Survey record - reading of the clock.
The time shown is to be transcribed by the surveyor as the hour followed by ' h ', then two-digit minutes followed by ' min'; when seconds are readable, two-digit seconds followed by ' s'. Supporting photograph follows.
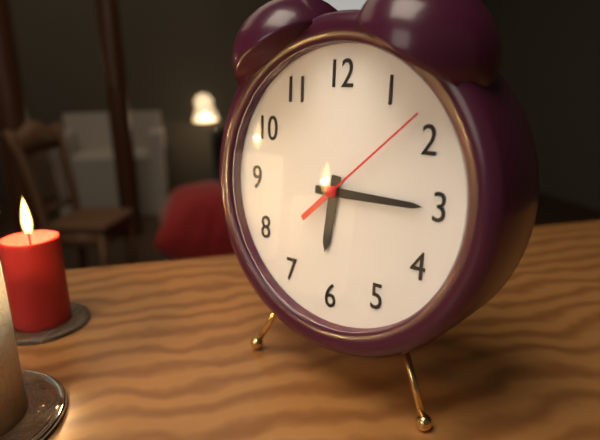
6 h 15 min 08 s
